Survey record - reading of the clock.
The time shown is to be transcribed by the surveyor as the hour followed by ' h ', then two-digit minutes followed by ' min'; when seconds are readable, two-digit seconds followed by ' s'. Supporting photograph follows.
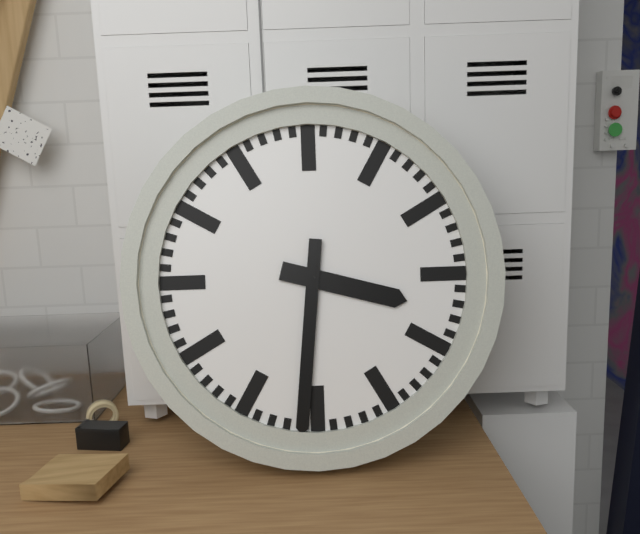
3 h 31 min
